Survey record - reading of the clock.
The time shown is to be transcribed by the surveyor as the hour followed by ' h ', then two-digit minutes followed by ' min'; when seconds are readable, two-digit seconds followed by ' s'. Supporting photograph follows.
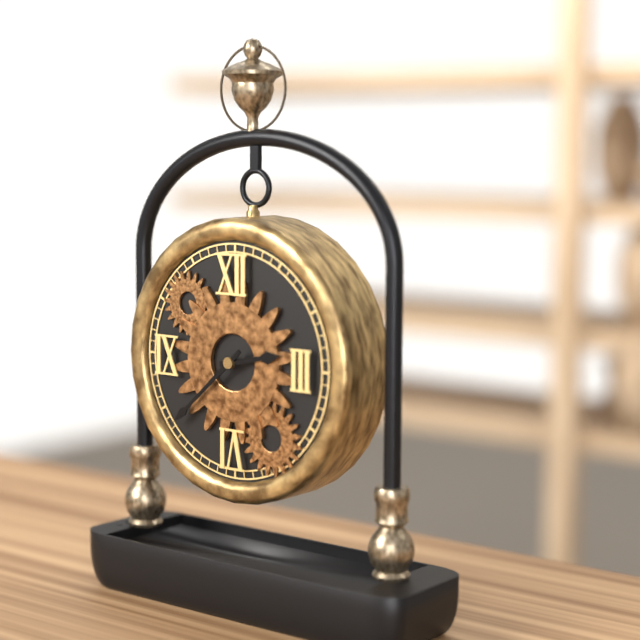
2 h 38 min
